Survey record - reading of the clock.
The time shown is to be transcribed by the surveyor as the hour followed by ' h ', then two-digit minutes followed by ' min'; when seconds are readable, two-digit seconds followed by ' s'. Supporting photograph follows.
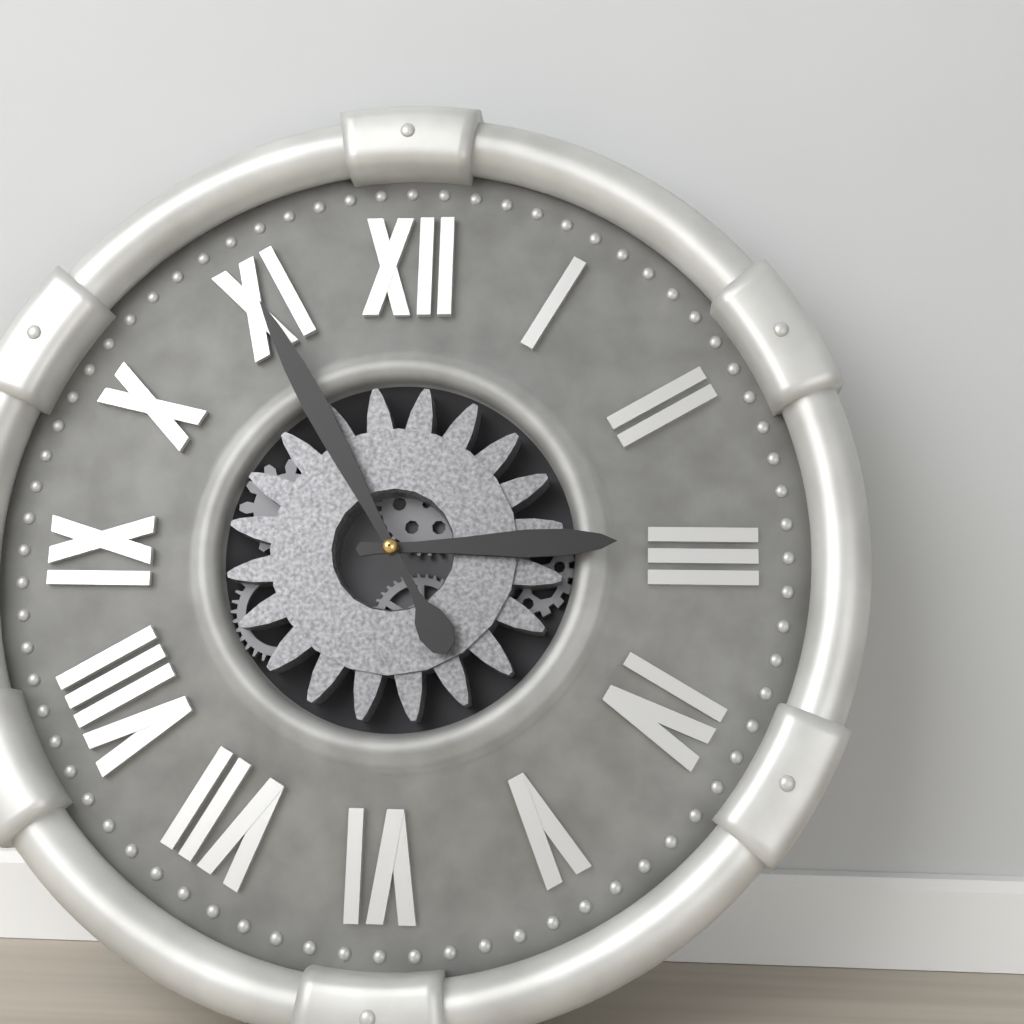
2 h 55 min
